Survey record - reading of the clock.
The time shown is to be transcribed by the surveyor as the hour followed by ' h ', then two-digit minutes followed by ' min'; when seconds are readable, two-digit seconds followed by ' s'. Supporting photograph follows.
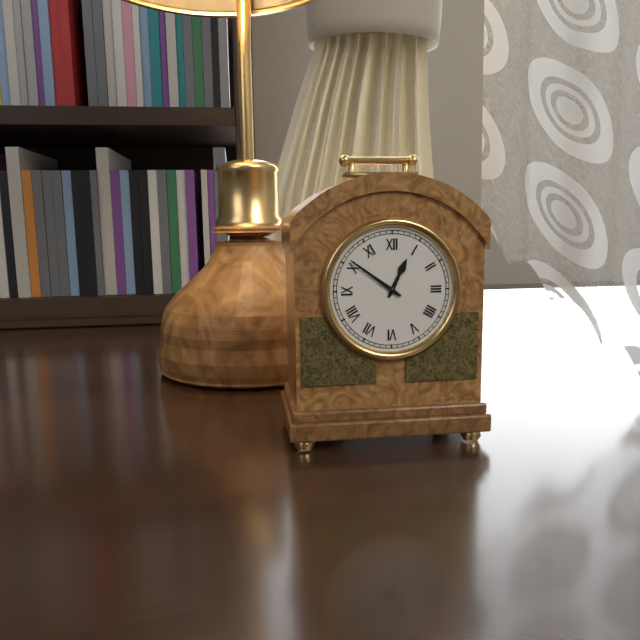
12 h 51 min
